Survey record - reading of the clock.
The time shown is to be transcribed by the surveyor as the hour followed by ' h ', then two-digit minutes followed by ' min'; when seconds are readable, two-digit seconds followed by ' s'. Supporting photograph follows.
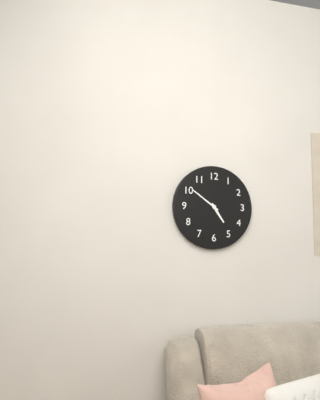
4 h 51 min
